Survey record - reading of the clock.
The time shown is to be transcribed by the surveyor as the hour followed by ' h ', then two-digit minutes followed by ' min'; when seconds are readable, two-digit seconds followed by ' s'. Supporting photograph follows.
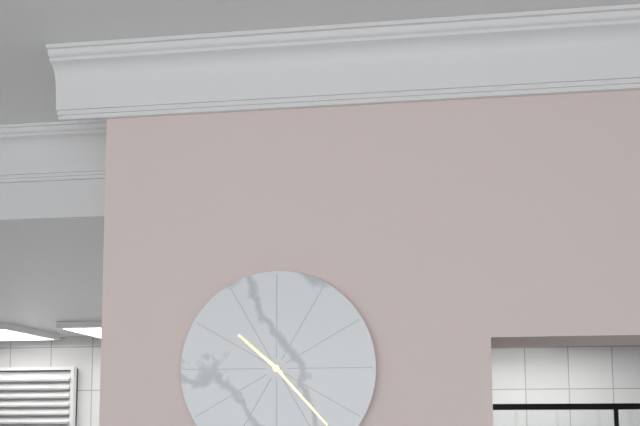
10 h 23 min
